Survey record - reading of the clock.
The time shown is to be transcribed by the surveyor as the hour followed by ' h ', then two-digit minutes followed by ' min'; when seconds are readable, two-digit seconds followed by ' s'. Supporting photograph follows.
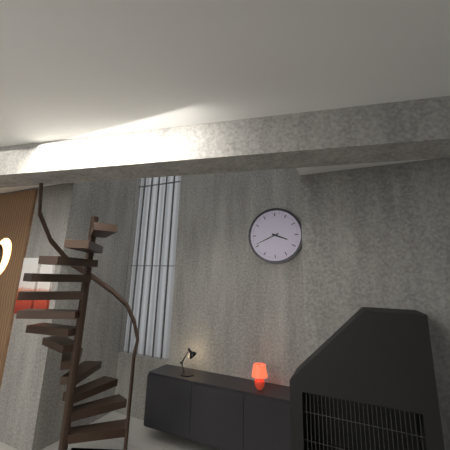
3 h 41 min
